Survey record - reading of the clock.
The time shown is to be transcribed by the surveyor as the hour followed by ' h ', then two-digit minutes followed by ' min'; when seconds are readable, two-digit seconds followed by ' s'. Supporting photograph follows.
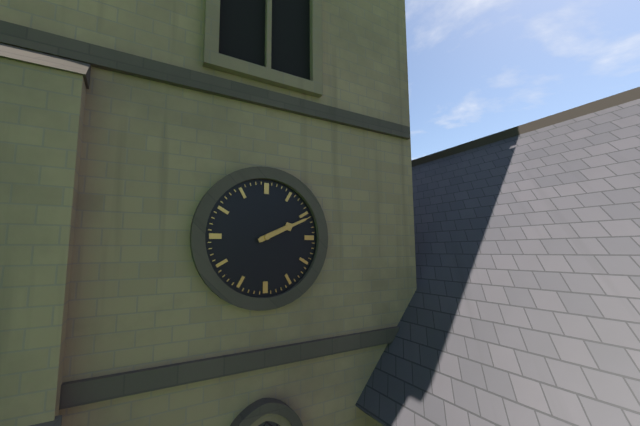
2 h 11 min
